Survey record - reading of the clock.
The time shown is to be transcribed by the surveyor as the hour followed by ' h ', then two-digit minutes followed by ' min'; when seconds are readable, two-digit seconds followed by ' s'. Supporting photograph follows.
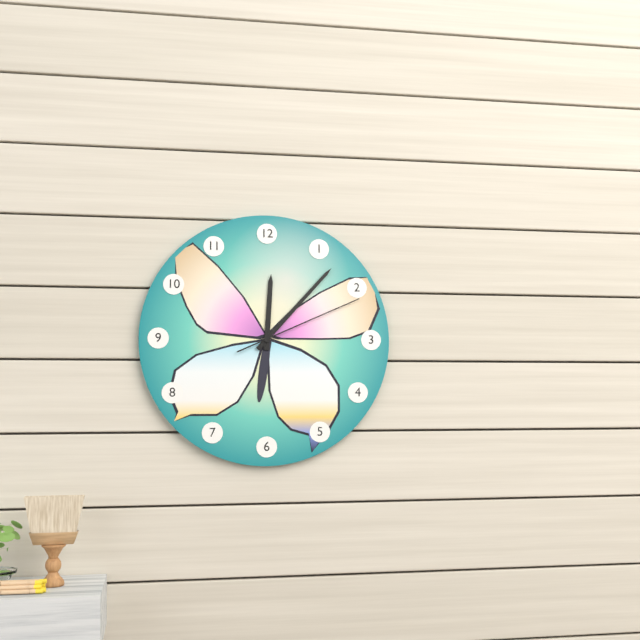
12 h 07 min 11 s
